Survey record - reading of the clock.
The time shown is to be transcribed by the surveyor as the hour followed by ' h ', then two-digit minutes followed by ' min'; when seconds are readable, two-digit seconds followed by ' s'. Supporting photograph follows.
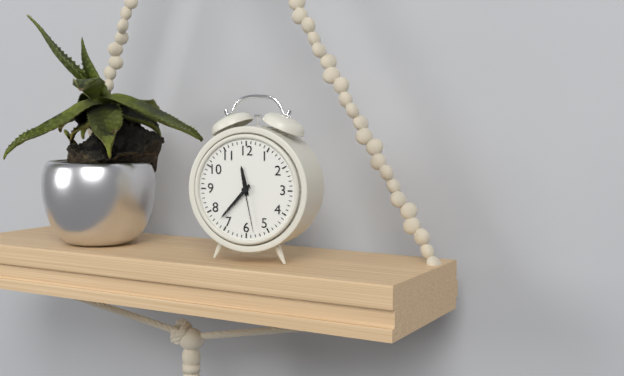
11 h 37 min 28 s
